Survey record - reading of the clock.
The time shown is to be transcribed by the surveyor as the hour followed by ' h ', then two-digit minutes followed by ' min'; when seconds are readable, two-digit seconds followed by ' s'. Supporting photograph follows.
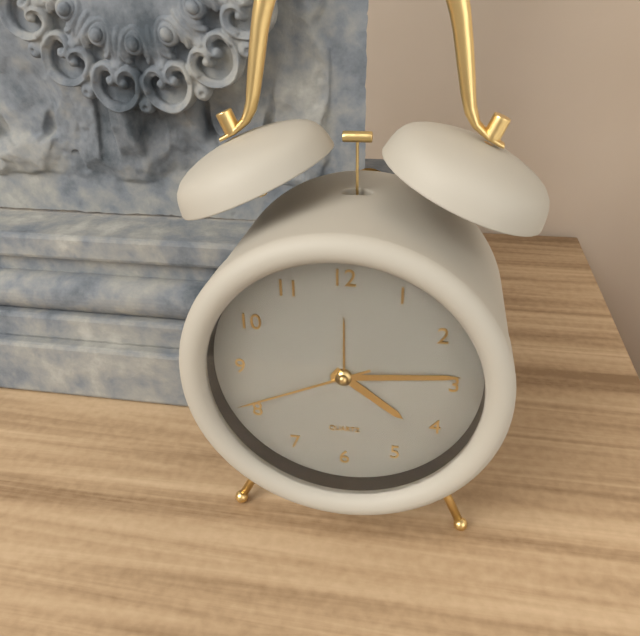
4 h 14 min 41 s
